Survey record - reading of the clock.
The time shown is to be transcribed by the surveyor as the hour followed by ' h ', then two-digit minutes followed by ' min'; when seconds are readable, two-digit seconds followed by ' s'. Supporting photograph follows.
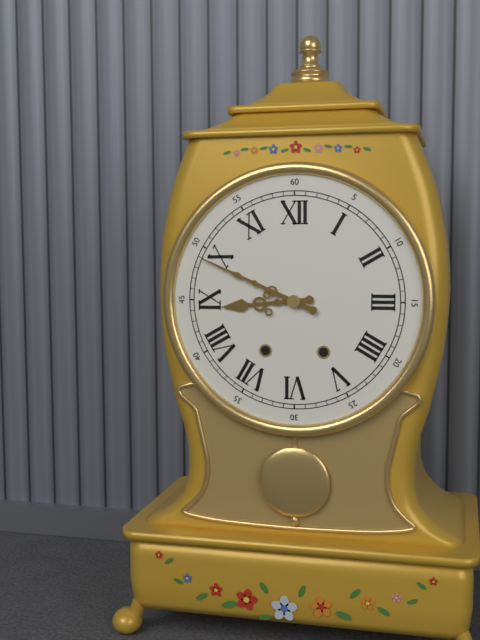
8 h 49 min
